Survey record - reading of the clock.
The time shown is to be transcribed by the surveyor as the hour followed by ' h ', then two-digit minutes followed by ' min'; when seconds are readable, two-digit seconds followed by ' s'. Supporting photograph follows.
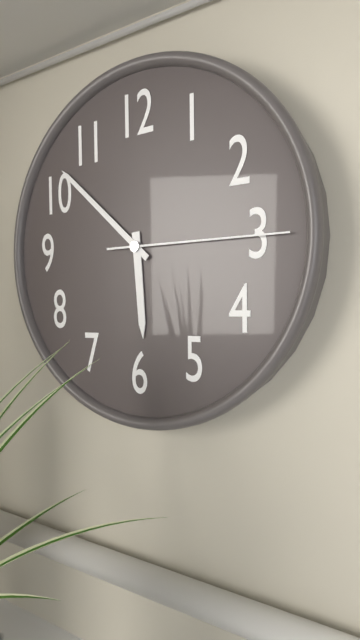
5 h 52 min 15 s
